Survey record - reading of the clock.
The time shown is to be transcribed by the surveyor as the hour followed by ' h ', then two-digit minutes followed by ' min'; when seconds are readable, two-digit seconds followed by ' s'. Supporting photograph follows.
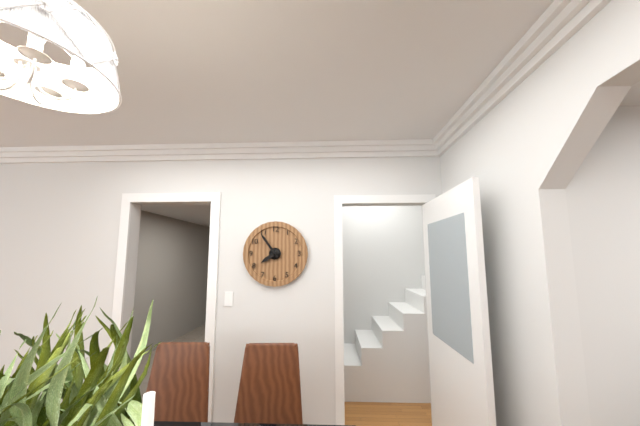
7 h 54 min
